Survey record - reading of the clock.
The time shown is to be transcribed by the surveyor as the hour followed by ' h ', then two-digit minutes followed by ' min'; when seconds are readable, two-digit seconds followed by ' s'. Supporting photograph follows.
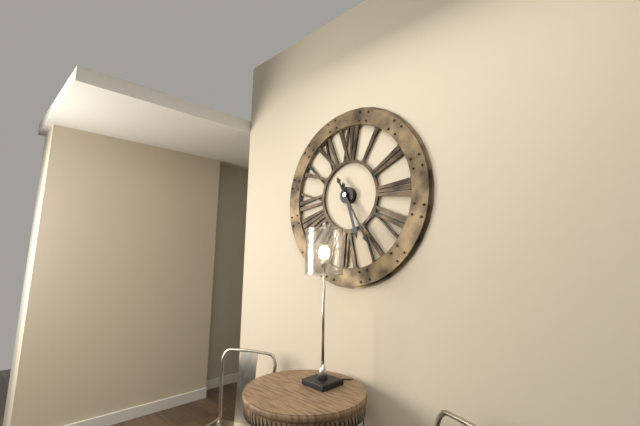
5 h 25 min
